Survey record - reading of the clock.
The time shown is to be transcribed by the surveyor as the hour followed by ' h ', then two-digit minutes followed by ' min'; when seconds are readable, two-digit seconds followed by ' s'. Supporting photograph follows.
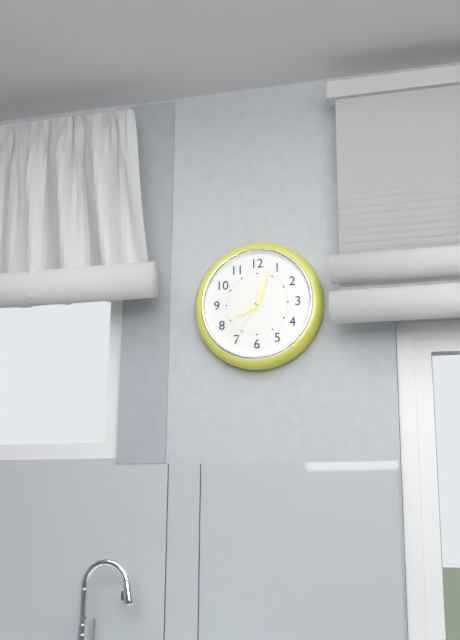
8 h 03 min 35 s
